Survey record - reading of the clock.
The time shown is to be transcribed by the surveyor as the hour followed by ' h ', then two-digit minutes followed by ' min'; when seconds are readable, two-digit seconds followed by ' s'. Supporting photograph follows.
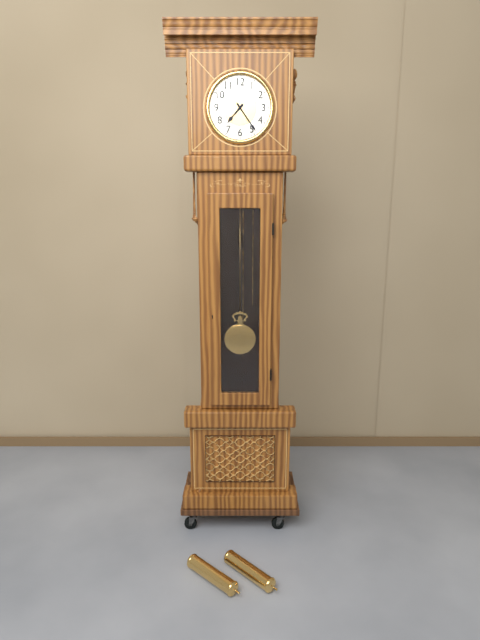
7 h 24 min
